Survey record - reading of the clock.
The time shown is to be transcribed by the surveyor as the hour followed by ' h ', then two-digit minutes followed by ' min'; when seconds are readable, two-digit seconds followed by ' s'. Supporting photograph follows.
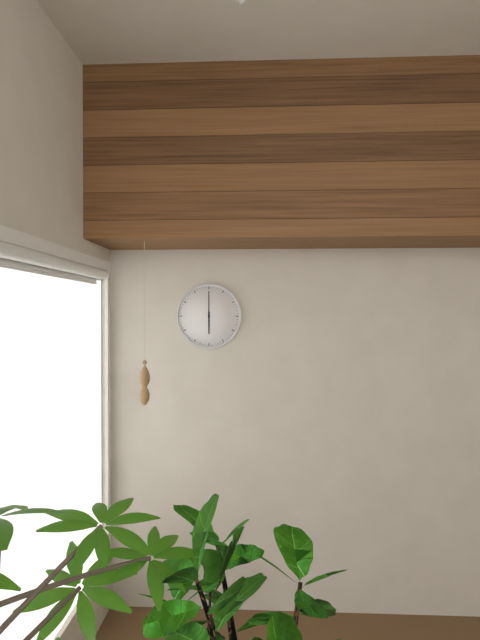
6 h 00 min
